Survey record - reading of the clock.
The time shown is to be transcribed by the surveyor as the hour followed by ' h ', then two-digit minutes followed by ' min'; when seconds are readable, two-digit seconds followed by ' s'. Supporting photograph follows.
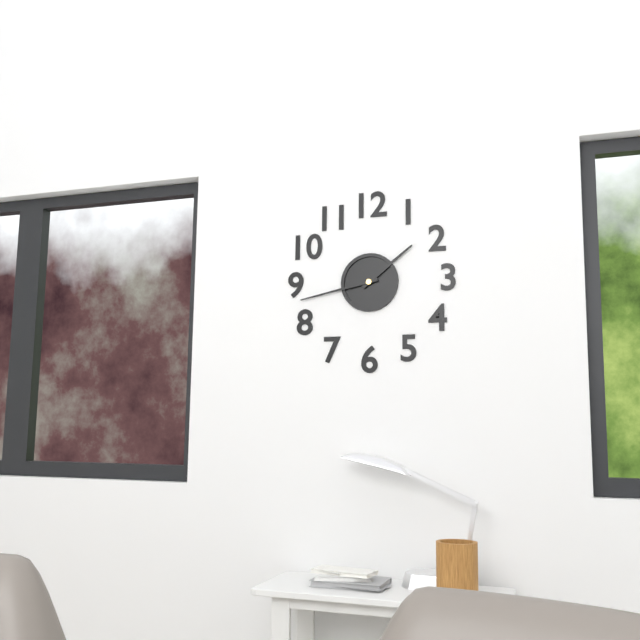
1 h 43 min
